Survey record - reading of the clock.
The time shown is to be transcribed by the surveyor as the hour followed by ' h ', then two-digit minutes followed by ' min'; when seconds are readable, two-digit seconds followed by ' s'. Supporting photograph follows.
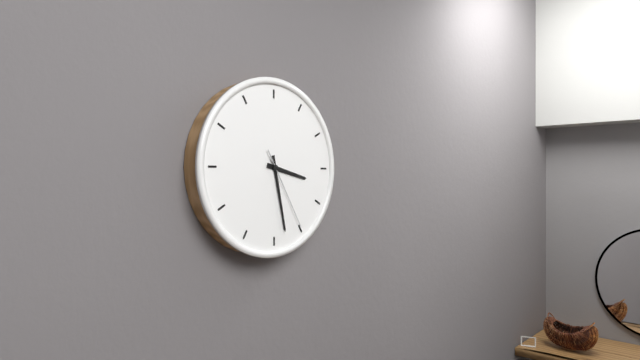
3 h 28 min 25 s
